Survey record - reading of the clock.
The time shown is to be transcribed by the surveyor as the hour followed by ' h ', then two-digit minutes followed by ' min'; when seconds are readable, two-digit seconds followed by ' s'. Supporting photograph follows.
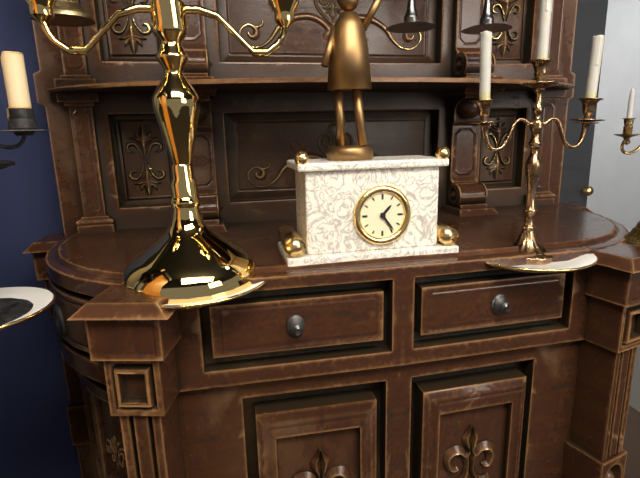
1 h 24 min
